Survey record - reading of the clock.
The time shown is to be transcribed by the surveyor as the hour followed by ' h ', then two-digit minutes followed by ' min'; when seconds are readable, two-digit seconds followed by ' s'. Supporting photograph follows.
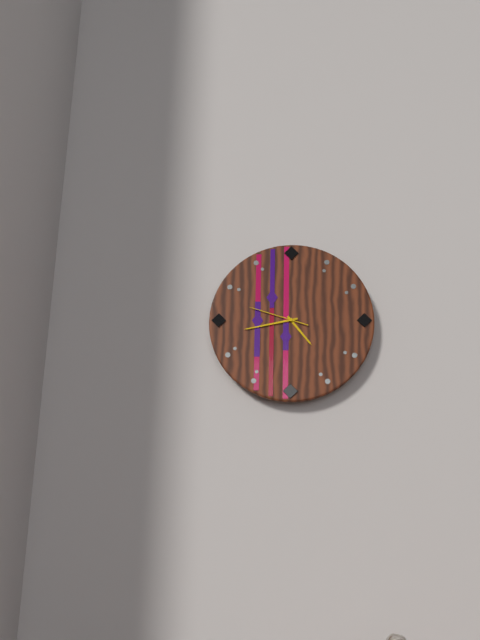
4 h 43 min 48 s
